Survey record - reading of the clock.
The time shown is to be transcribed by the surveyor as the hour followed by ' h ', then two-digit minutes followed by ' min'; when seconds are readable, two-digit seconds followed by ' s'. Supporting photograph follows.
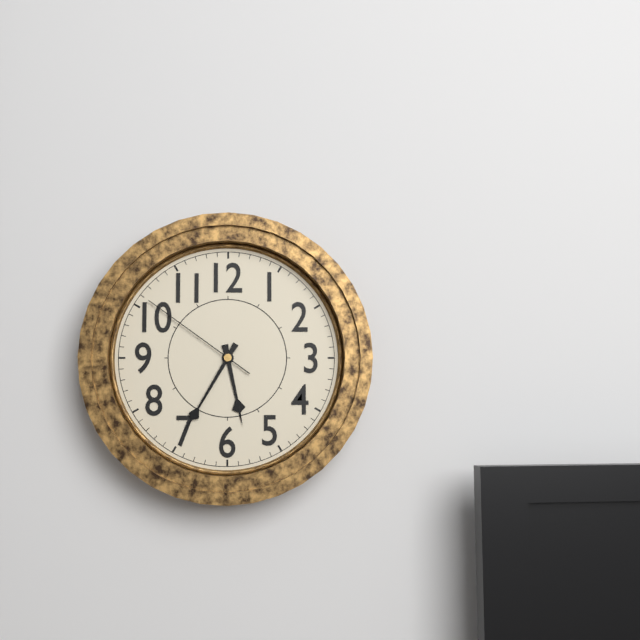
5 h 35 min 51 s
